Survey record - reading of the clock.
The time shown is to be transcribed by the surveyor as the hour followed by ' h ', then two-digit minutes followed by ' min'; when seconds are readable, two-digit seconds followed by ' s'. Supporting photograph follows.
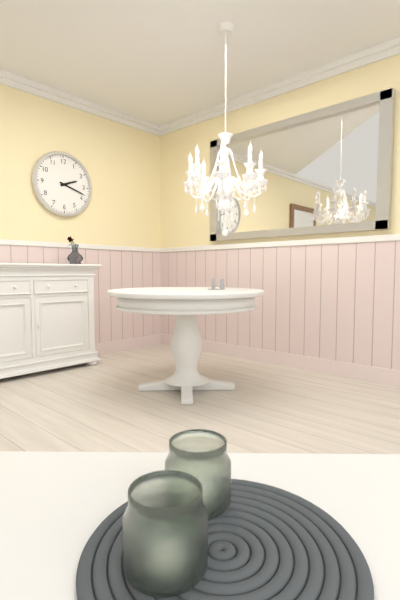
2 h 18 min
